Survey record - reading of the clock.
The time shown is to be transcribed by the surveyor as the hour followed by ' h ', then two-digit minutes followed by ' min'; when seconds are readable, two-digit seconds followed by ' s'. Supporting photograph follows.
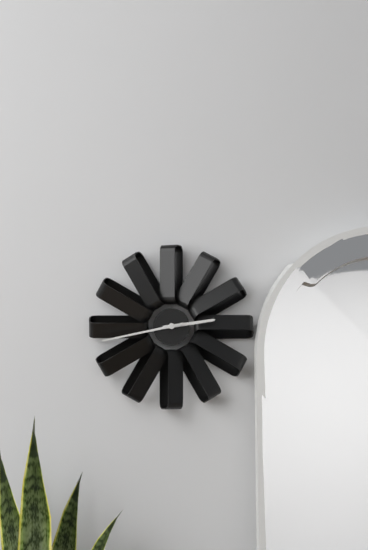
2 h 43 min
